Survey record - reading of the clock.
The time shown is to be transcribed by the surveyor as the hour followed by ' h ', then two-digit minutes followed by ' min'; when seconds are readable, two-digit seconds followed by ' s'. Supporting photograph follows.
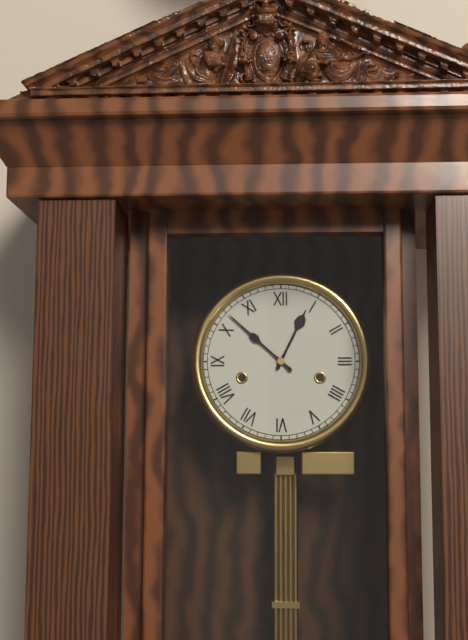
12 h 52 min
